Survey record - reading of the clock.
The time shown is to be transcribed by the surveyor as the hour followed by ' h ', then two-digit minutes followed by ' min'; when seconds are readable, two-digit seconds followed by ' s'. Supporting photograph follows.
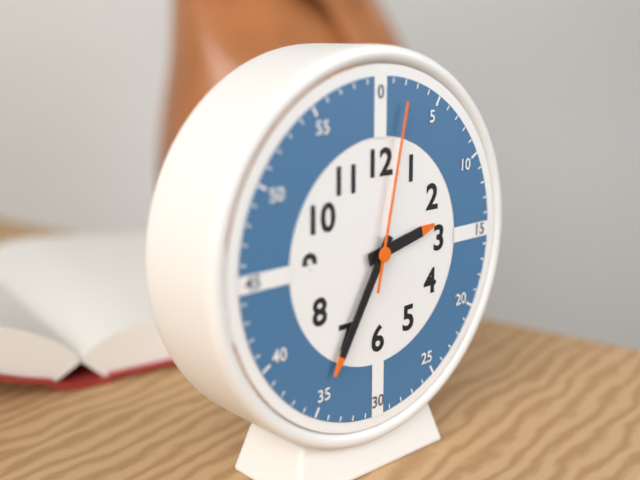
2 h 35 min 02 s
